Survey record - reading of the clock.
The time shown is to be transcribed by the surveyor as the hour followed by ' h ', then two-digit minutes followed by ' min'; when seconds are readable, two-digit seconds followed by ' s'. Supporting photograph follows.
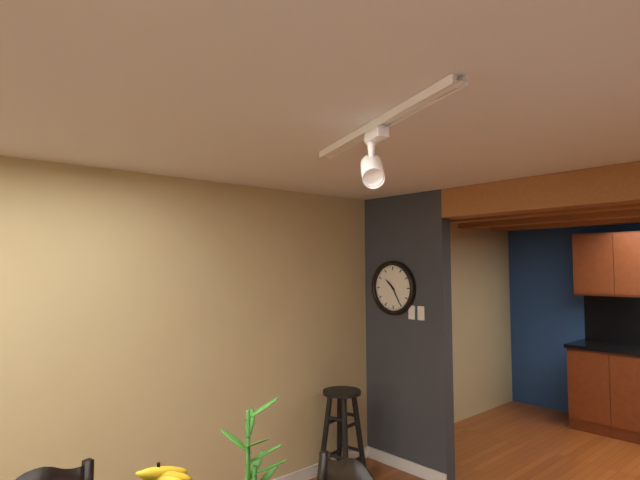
10 h 25 min
